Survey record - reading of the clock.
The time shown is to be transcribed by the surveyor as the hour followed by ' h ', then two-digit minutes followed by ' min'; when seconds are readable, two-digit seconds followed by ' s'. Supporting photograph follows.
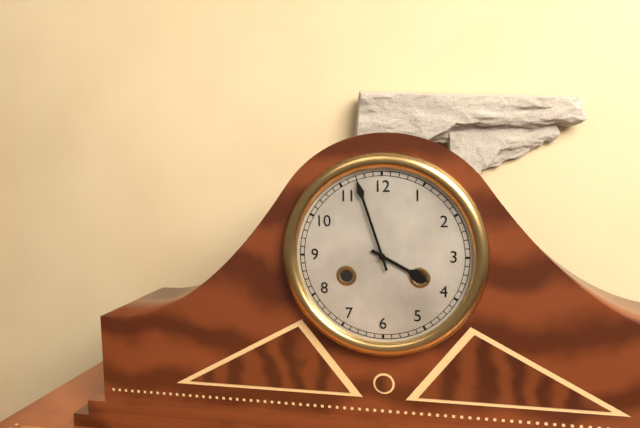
3 h 57 min
